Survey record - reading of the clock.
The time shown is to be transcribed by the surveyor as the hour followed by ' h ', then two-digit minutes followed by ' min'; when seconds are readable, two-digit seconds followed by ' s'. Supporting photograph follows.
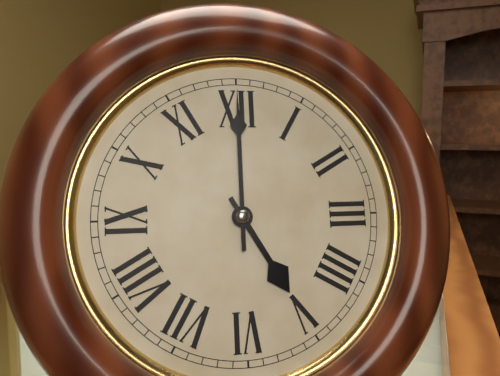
5 h 00 min
